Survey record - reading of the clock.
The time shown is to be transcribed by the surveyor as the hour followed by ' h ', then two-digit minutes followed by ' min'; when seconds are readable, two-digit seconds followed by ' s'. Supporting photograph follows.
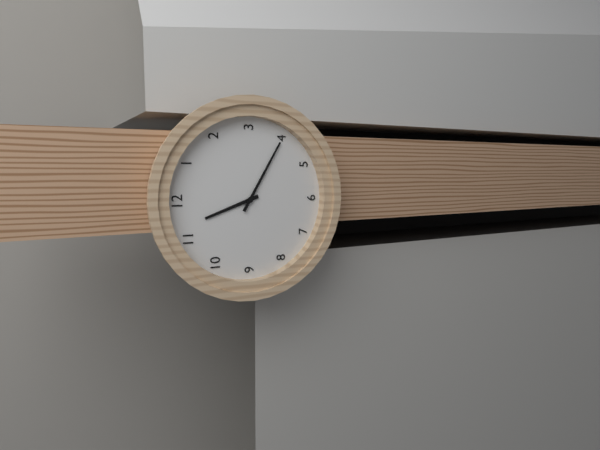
11 h 20 min
